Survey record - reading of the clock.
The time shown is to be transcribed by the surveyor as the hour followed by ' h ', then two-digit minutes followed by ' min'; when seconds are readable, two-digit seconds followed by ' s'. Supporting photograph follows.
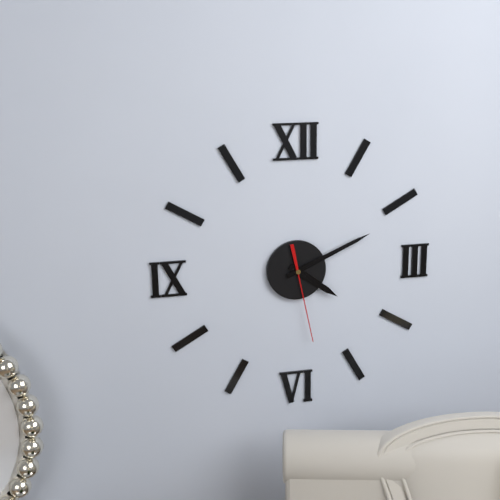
4 h 11 min 28 s
